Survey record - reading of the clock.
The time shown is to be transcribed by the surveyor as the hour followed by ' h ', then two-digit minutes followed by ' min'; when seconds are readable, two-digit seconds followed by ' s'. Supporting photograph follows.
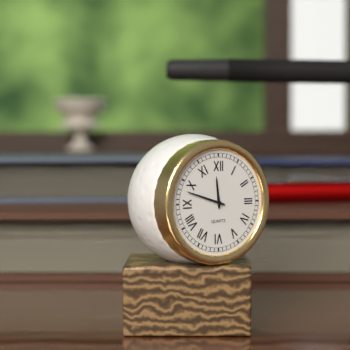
11 h 48 min
